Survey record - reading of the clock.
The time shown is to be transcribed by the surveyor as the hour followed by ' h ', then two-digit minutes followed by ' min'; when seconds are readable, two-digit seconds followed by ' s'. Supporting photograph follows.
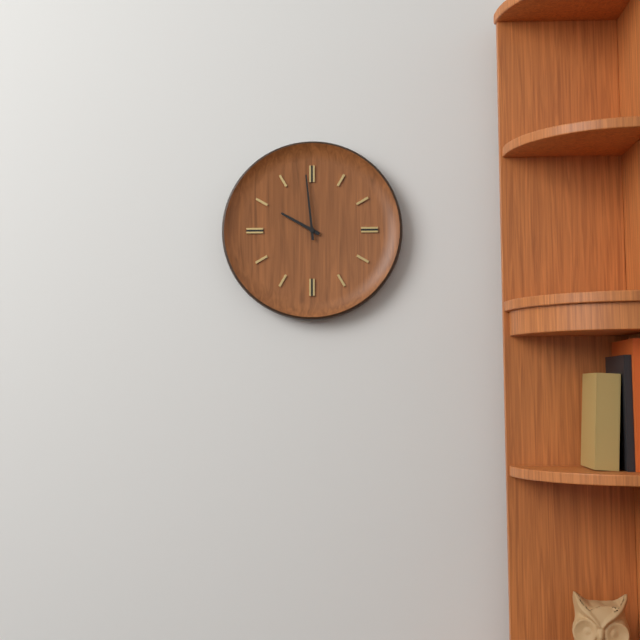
9 h 59 min
